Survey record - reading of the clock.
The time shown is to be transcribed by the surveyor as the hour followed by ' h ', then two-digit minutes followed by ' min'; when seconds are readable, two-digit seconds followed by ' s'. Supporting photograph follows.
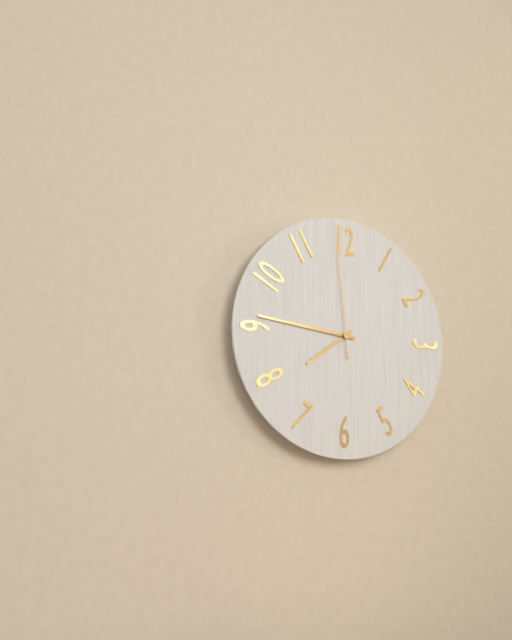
7 h 46 min 59 s
